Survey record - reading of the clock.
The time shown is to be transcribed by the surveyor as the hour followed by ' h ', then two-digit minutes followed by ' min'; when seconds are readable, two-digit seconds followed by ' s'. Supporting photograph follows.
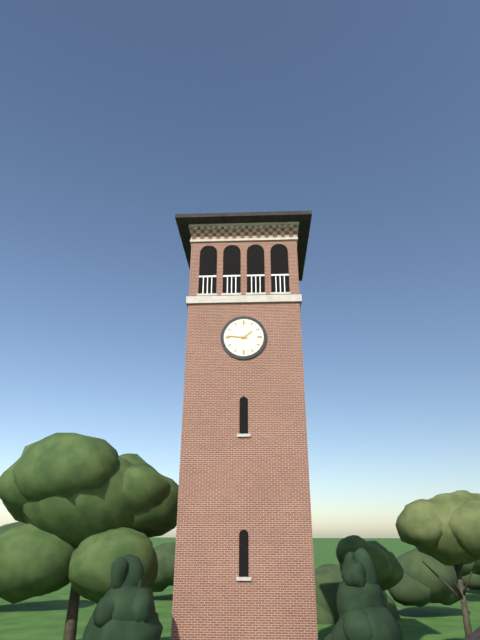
1 h 46 min
